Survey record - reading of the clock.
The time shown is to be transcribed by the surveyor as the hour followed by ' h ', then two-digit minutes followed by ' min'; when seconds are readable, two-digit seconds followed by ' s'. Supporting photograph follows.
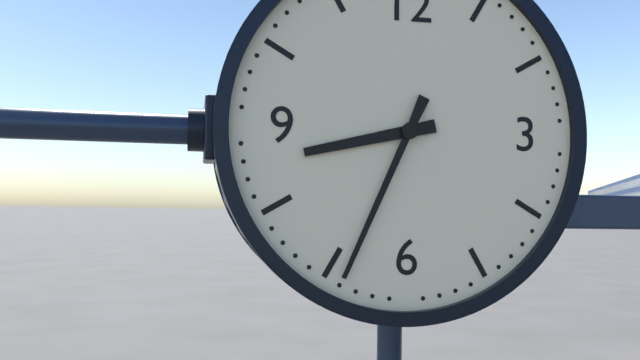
8 h 34 min
